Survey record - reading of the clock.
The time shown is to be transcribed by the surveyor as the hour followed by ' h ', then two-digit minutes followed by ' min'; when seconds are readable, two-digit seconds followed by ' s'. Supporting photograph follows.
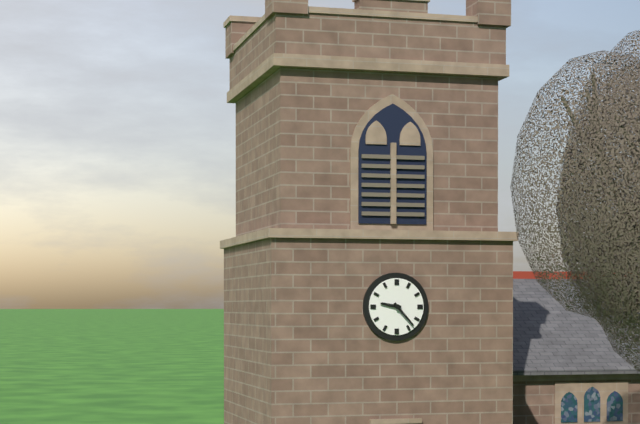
9 h 23 min
